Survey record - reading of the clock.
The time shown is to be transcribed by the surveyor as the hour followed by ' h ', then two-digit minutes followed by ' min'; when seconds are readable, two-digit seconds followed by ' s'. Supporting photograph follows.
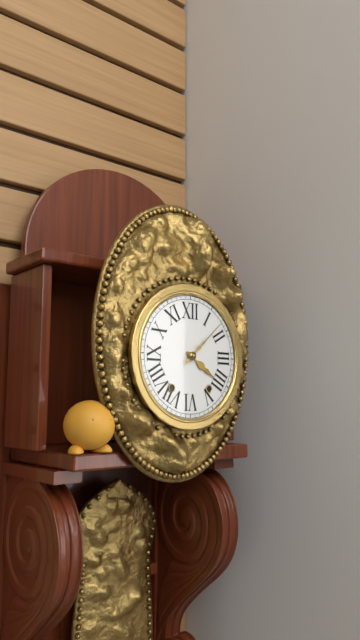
4 h 08 min
